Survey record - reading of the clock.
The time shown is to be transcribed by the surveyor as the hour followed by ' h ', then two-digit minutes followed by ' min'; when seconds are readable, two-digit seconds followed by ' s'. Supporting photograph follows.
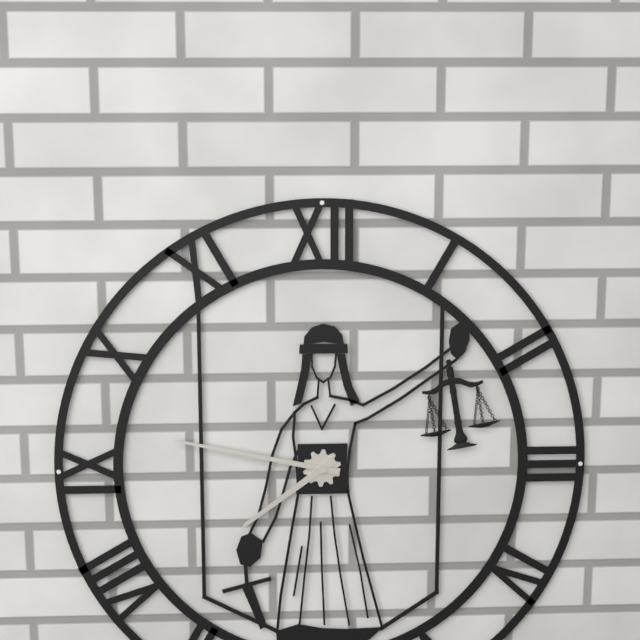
7 h 47 min
